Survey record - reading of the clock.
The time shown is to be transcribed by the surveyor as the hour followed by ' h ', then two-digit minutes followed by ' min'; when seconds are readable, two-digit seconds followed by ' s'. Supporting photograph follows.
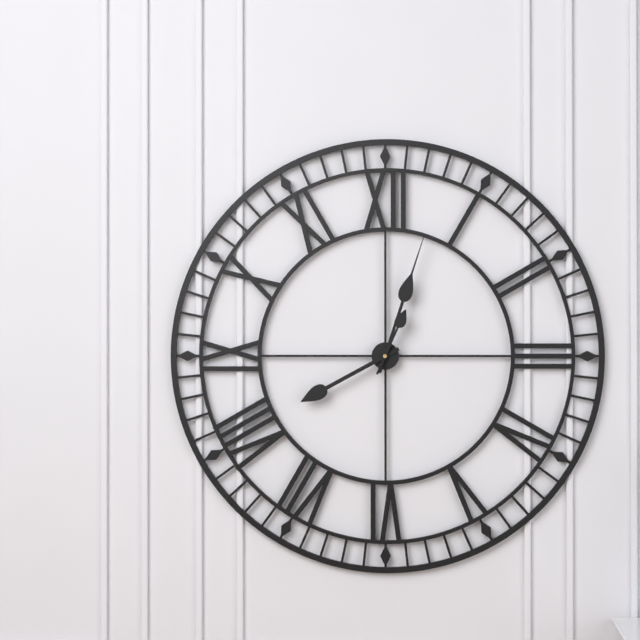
8 h 03 min 04 s
